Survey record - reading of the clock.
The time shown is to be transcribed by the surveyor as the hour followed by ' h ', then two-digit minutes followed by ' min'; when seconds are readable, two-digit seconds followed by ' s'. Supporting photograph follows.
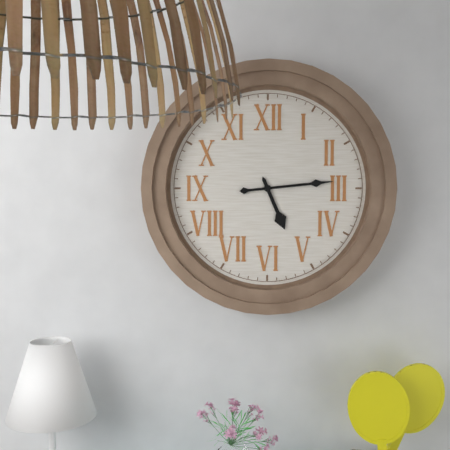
5 h 14 min
